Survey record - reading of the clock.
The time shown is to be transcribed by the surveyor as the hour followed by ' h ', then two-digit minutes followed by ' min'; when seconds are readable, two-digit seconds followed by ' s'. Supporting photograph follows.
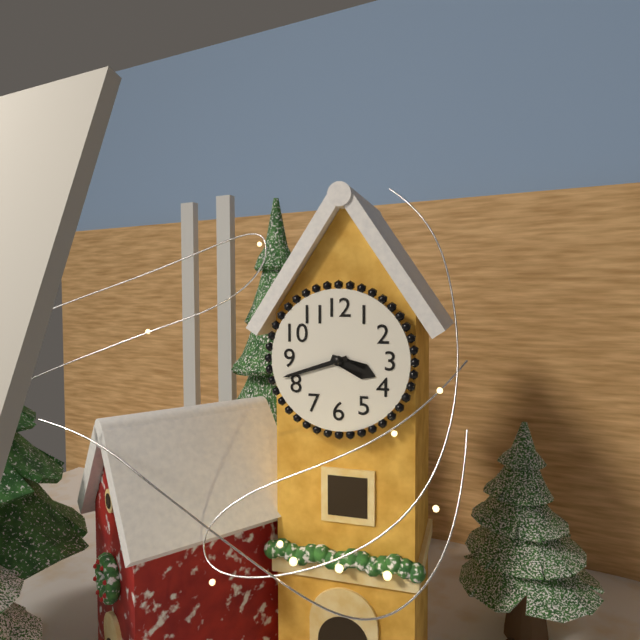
3 h 42 min
